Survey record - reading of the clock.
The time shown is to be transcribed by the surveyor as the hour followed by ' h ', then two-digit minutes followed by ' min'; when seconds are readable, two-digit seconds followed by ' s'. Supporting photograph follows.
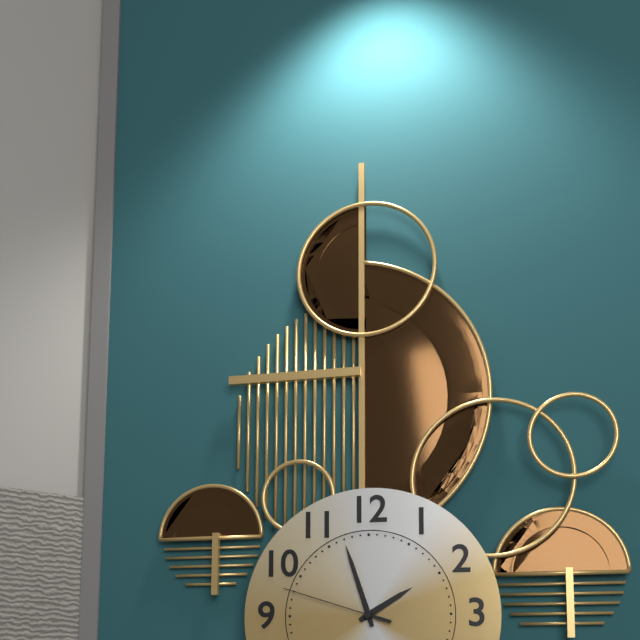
1 h 57 min 48 s
